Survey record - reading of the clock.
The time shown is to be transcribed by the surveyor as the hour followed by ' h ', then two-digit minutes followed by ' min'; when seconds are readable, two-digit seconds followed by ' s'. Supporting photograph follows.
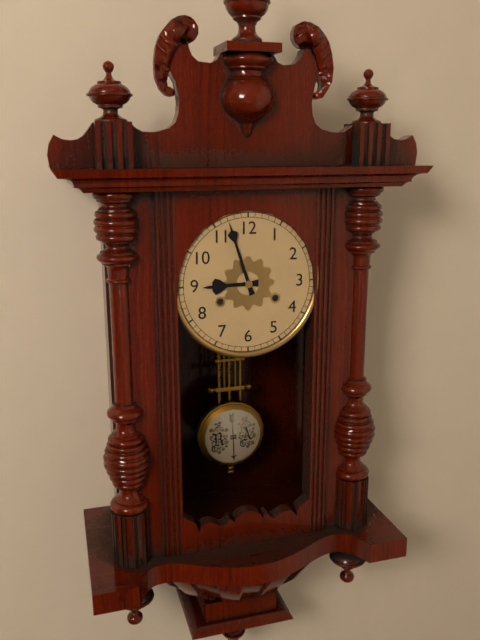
8 h 57 min
